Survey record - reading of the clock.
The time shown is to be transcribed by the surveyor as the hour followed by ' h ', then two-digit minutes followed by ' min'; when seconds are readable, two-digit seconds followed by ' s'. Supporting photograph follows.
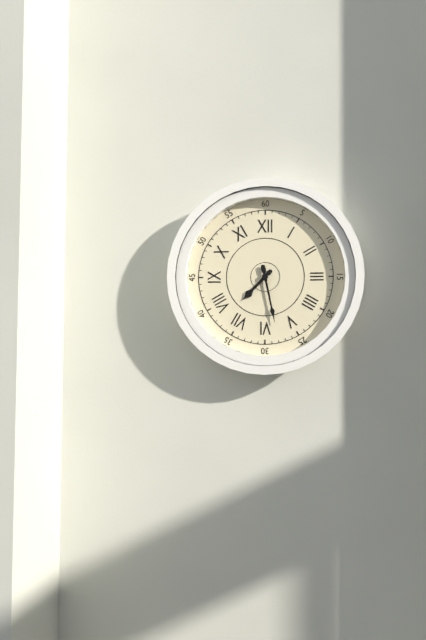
7 h 28 min
